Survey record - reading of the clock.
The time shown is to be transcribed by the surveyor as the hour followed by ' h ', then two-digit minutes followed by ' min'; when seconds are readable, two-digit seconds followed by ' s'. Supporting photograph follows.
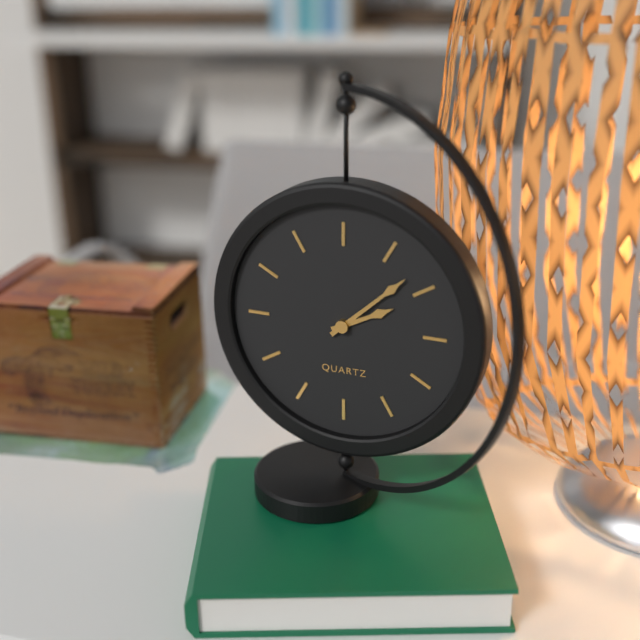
2 h 08 min
